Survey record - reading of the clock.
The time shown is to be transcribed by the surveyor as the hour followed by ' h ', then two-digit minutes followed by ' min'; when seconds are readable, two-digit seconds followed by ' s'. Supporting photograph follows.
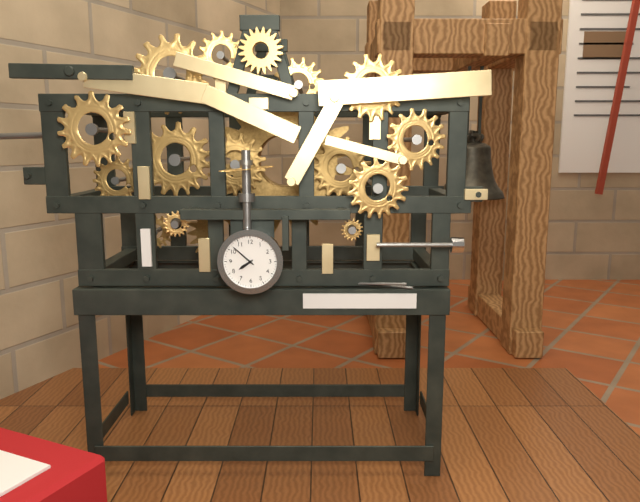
7 h 52 min
